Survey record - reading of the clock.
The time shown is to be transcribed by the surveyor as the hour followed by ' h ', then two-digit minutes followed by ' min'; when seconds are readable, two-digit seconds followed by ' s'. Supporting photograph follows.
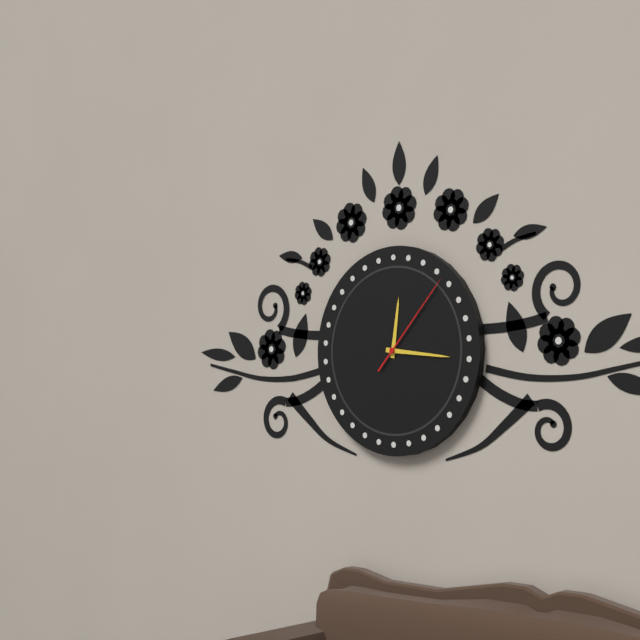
12 h 16 min 07 s
